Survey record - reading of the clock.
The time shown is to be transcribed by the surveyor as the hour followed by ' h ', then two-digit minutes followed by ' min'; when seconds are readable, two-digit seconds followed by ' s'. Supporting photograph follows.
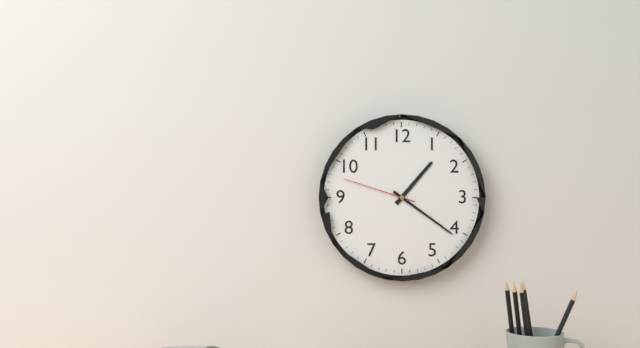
1 h 21 min 48 s
